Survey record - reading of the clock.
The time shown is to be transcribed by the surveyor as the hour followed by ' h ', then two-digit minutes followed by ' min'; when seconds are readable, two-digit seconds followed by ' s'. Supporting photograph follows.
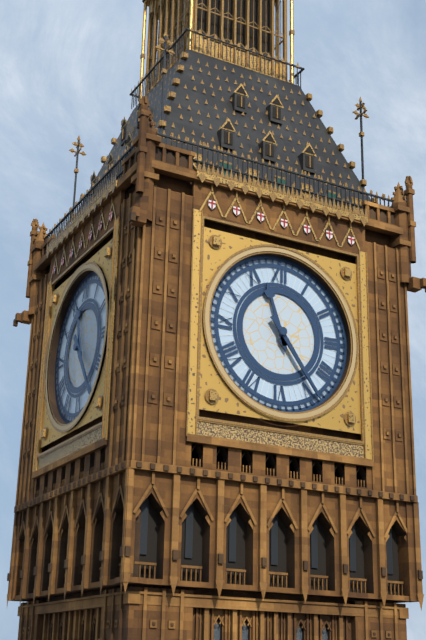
11 h 24 min
